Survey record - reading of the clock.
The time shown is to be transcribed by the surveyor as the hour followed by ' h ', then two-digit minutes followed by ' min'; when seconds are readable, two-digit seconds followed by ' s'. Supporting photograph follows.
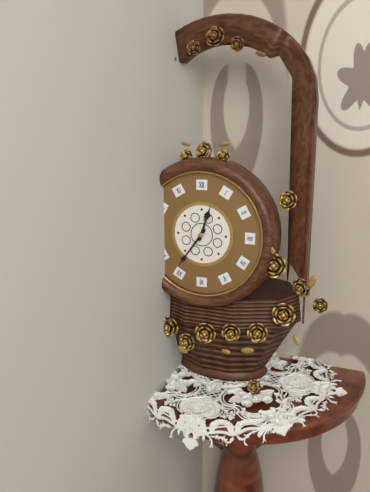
12 h 36 min
